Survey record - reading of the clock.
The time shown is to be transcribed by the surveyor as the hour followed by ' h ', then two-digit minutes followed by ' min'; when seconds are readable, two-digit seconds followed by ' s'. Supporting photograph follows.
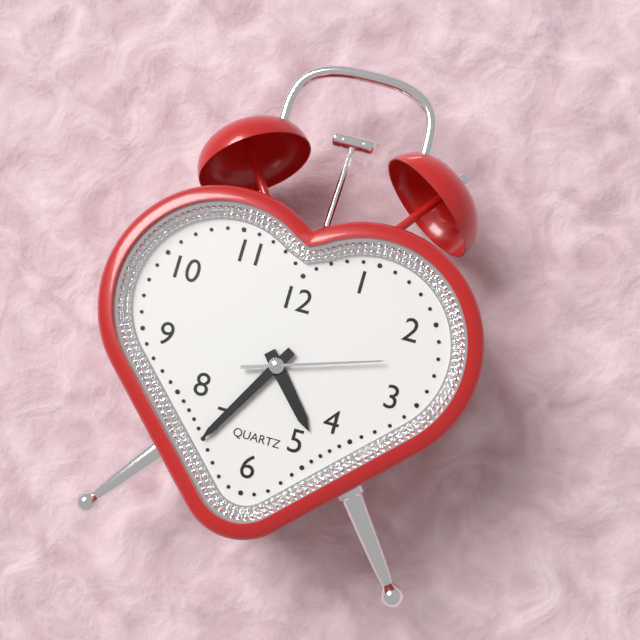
4 h 35 min 12 s
